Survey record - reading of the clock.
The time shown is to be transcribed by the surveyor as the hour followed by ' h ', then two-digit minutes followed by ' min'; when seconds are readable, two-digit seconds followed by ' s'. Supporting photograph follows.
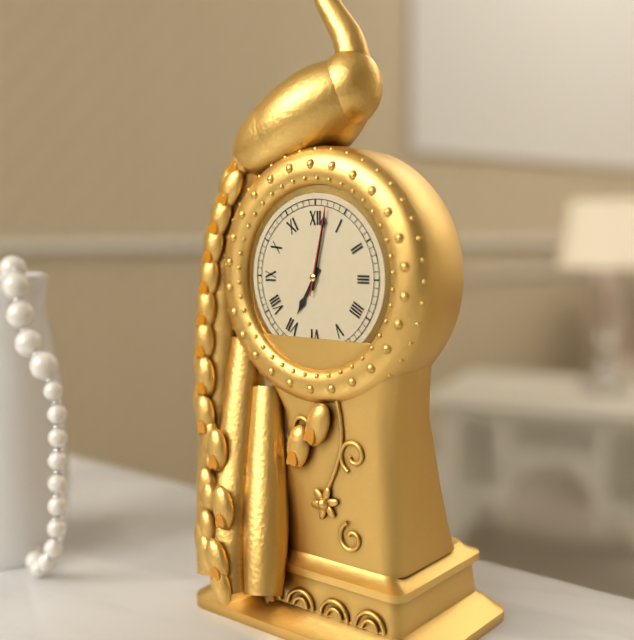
7 h 02 min 02 s
